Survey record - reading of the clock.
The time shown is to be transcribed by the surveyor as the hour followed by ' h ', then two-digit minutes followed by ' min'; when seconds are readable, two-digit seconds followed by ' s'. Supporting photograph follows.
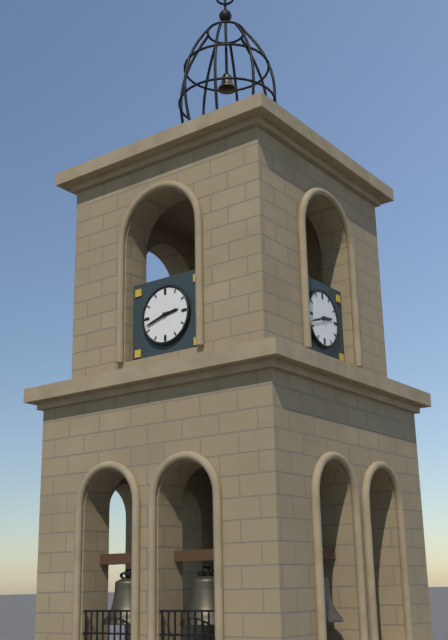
2 h 42 min
